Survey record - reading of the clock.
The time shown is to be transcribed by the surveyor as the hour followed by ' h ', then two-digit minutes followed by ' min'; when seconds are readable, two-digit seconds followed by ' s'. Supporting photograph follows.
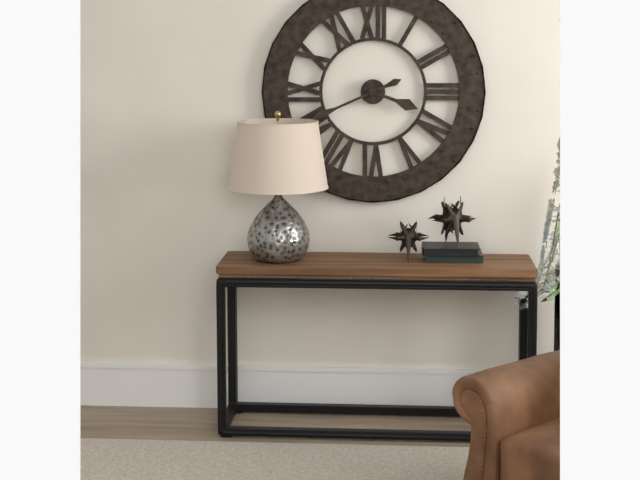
3 h 41 min
